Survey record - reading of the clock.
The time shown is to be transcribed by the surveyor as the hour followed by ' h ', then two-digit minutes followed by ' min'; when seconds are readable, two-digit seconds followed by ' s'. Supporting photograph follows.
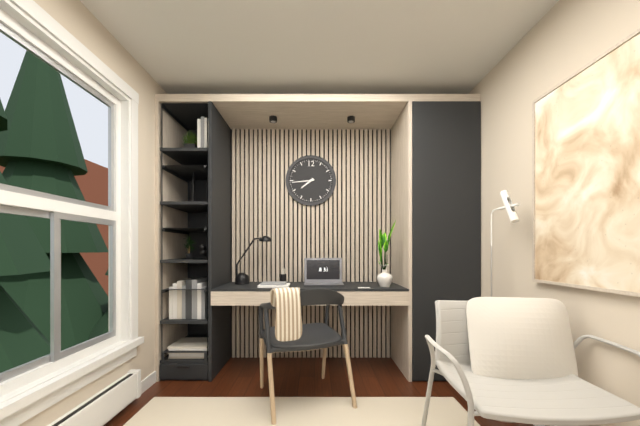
7 h 44 min
